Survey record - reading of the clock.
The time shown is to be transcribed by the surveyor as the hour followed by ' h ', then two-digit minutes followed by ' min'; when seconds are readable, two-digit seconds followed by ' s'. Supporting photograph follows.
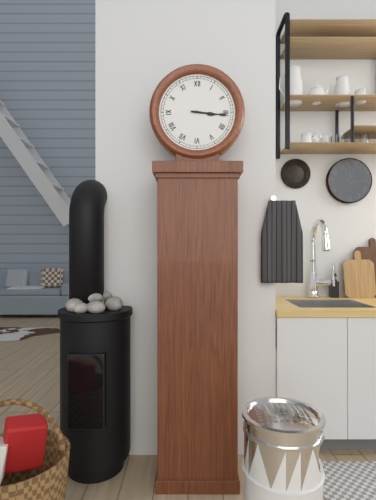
3 h 16 min
